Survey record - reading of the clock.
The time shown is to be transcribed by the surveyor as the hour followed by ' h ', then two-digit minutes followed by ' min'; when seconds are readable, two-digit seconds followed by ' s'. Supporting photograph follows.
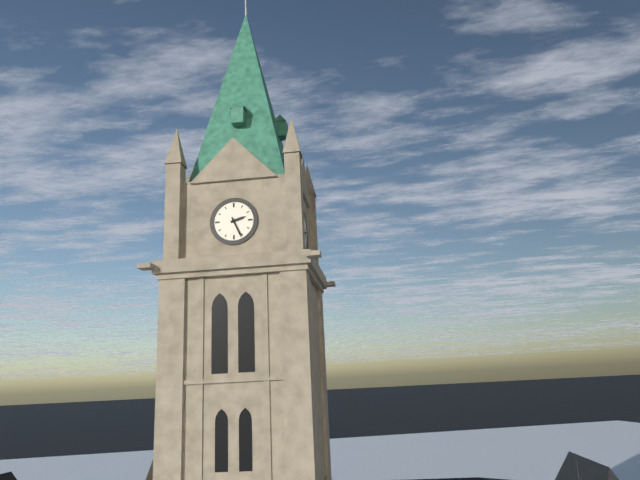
2 h 26 min
